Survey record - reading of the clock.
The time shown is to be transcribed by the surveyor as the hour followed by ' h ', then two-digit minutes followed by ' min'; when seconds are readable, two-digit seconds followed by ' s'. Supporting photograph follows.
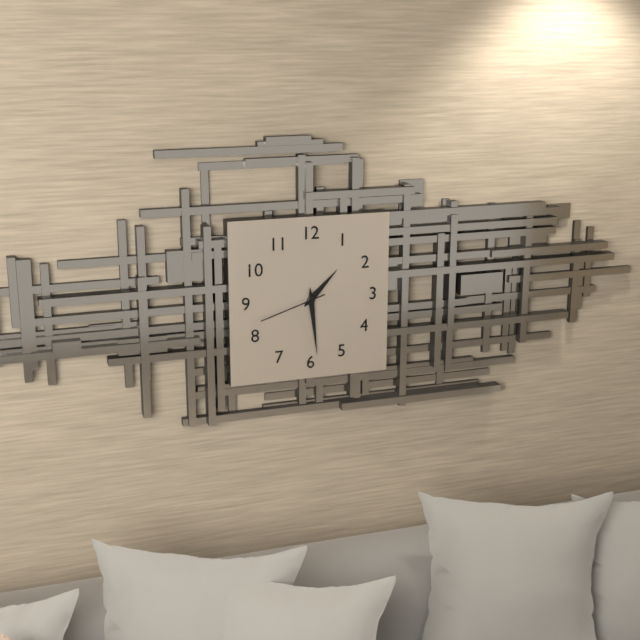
1 h 29 min 42 s
